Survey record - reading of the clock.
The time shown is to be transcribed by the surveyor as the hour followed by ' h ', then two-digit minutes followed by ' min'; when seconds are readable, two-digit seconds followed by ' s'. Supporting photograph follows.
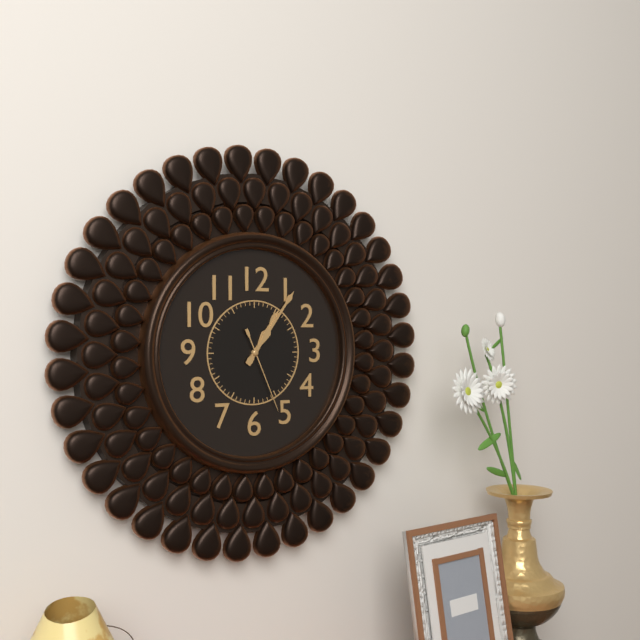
1 h 06 min 26 s
